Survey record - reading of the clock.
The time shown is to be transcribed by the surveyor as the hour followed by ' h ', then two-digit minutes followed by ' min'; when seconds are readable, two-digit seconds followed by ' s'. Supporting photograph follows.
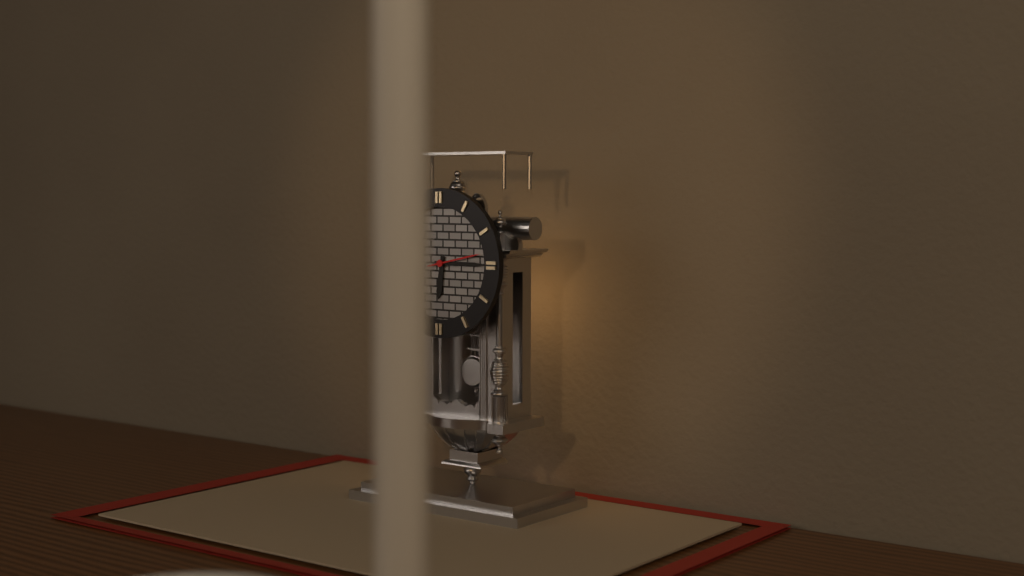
6 h 15 min 13 s
